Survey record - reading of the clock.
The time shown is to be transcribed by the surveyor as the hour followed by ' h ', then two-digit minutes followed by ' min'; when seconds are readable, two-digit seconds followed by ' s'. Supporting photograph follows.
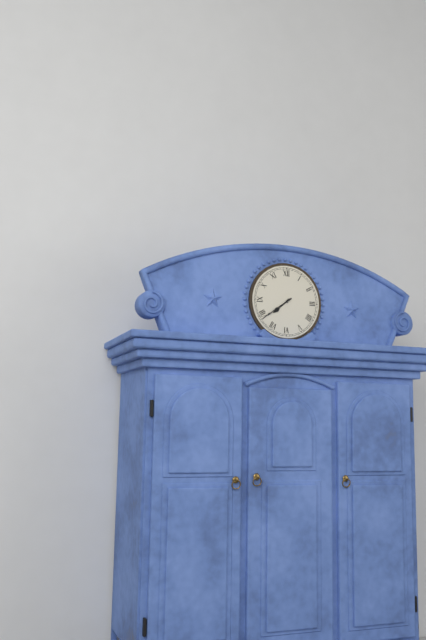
7 h 39 min
